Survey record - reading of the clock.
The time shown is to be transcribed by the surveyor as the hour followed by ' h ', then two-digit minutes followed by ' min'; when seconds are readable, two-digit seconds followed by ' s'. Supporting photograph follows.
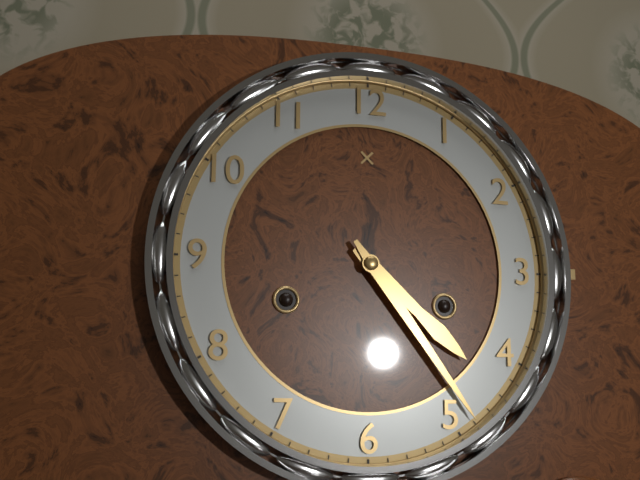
4 h 24 min
